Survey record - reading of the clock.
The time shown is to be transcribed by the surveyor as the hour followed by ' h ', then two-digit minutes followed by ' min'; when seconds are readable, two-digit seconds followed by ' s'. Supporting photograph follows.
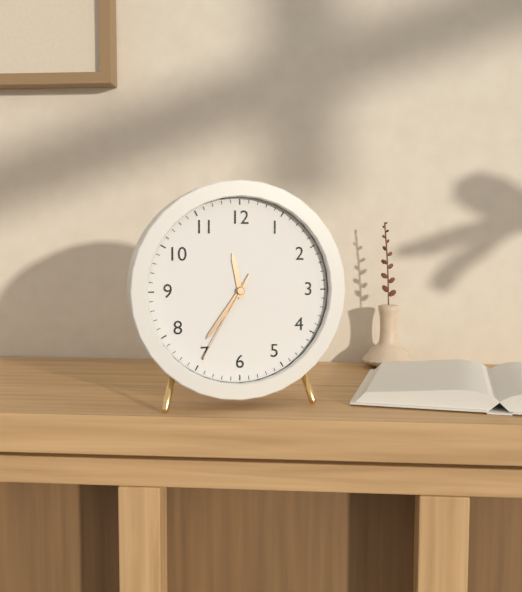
11 h 36 min 35 s
